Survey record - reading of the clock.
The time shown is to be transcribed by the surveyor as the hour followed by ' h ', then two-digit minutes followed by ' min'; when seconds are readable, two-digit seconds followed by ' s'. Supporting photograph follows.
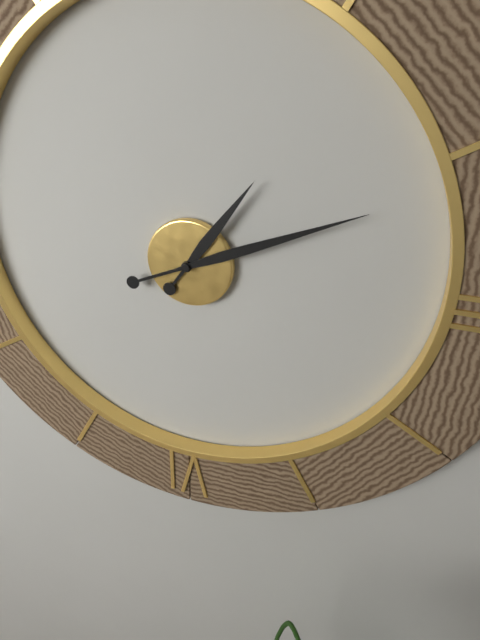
1 h 11 min
